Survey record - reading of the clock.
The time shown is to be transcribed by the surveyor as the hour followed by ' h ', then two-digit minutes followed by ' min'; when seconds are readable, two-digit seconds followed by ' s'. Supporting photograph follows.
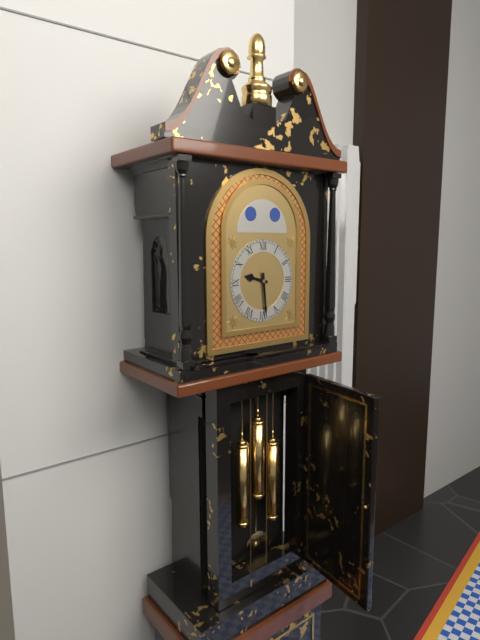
9 h 29 min
